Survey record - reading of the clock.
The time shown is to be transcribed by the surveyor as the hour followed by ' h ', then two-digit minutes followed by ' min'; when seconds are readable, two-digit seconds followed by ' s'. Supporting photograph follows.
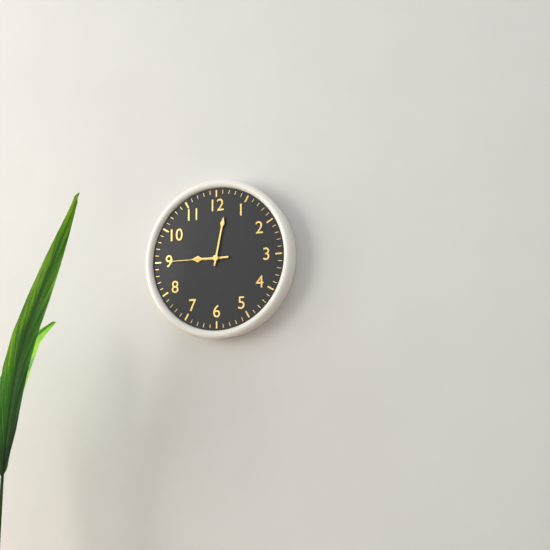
9 h 02 min 45 s
